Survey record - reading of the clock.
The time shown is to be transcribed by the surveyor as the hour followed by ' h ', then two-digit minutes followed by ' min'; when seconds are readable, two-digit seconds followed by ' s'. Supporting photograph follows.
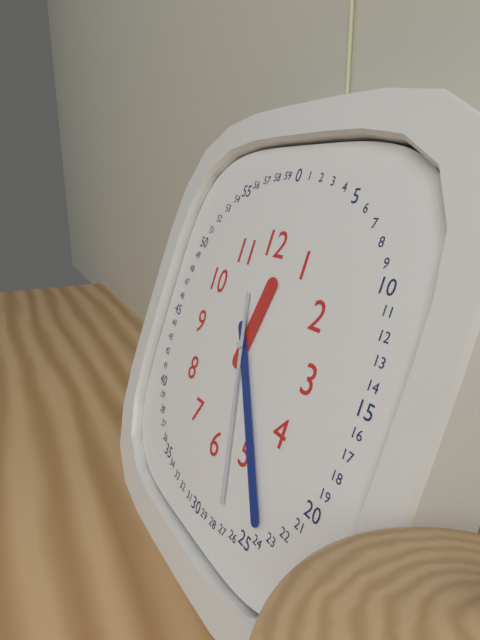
12 h 24 min 27 s
